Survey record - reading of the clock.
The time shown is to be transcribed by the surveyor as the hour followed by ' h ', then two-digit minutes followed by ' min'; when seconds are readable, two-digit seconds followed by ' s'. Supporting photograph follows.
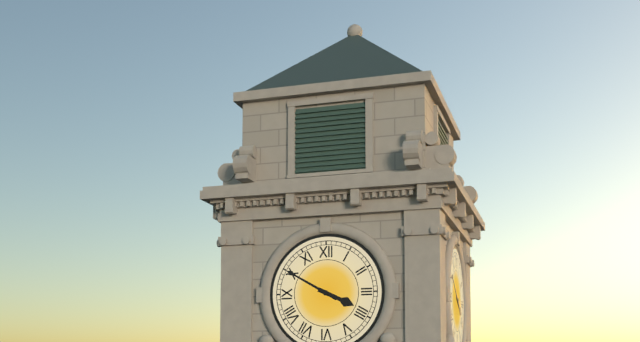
3 h 50 min
